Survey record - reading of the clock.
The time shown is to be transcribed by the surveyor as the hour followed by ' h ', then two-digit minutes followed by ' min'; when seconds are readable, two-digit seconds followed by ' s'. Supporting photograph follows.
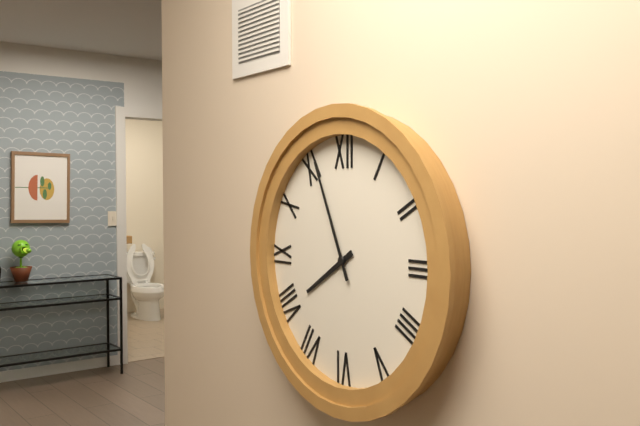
7 h 56 min
